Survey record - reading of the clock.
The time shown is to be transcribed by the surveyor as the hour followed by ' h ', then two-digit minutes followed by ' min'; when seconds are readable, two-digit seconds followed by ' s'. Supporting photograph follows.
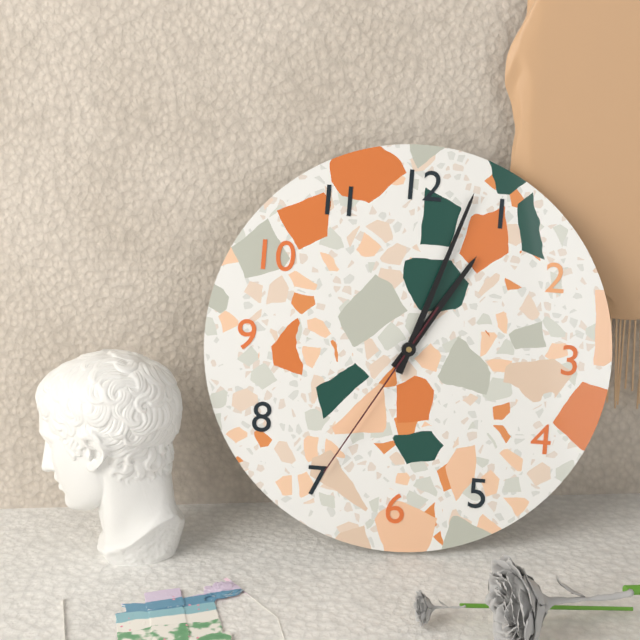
1 h 03 min 35 s
